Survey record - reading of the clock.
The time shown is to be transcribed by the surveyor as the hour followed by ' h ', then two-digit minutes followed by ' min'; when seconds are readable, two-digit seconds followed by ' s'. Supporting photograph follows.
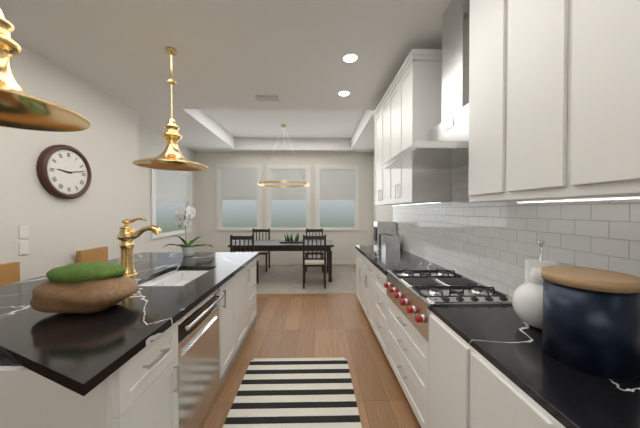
9 h 13 min
